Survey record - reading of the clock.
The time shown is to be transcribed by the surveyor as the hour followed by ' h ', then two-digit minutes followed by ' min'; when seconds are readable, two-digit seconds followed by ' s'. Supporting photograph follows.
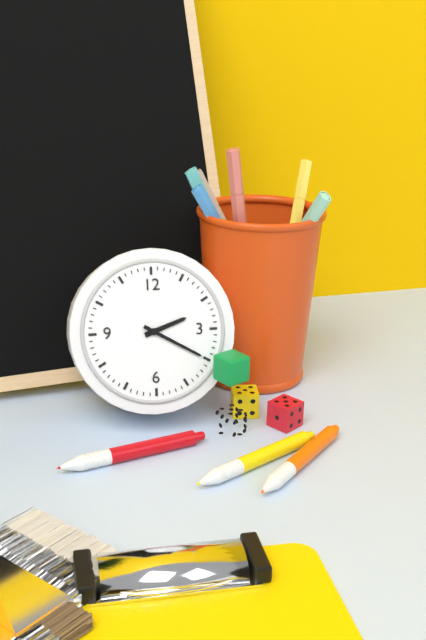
2 h 20 min
